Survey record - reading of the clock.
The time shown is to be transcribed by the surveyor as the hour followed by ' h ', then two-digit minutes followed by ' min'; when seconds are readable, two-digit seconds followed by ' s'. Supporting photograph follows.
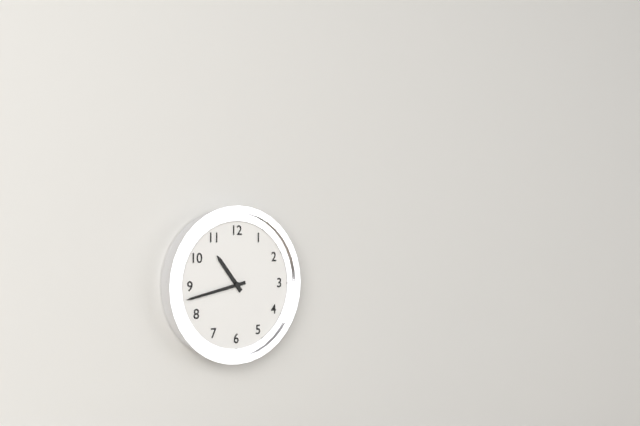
10 h 43 min
